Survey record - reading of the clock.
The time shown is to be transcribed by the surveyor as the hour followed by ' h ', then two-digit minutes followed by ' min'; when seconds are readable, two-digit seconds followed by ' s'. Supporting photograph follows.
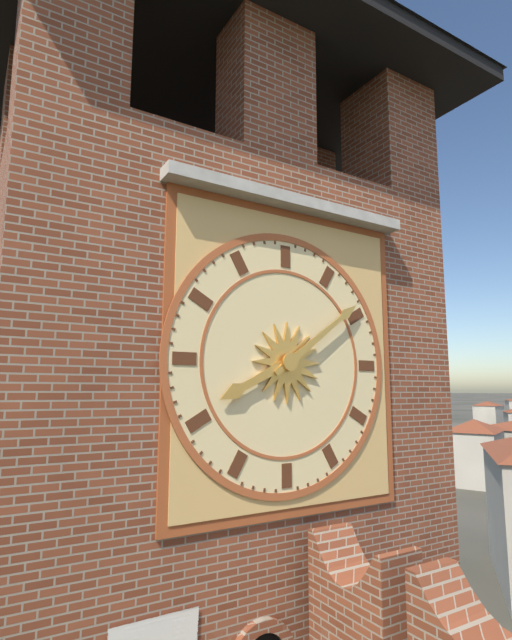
8 h 09 min
